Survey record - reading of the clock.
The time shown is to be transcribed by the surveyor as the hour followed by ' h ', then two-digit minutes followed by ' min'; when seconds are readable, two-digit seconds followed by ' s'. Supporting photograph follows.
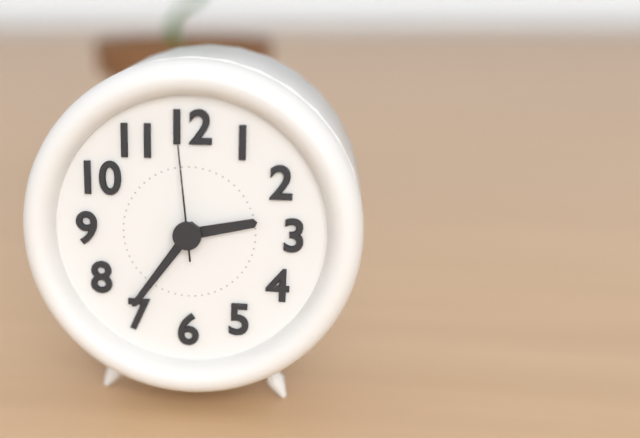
2 h 36 min 59 s
